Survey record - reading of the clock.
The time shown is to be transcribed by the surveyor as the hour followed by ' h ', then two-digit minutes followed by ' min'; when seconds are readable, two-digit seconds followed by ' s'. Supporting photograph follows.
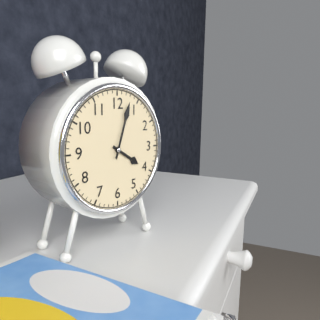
4 h 03 min
